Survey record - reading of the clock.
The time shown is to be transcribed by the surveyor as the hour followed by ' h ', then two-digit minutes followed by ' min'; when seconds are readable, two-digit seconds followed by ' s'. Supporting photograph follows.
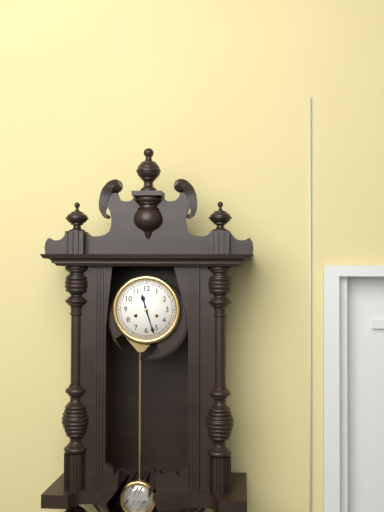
11 h 27 min
